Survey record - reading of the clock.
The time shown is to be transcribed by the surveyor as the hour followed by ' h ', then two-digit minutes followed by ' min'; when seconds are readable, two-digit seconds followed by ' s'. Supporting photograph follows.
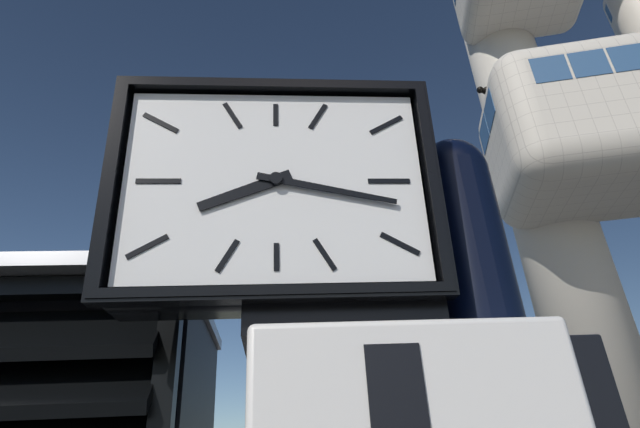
8 h 17 min
